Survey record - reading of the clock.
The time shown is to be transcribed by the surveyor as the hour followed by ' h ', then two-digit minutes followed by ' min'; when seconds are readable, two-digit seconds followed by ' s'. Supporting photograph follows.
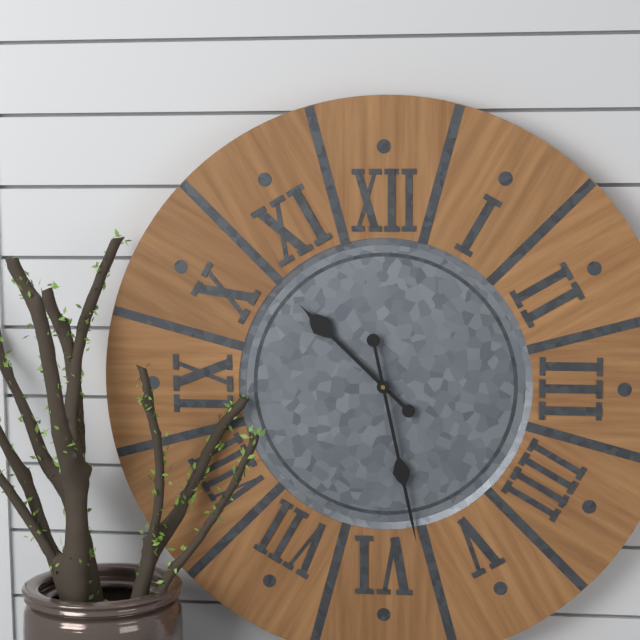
10 h 28 min
